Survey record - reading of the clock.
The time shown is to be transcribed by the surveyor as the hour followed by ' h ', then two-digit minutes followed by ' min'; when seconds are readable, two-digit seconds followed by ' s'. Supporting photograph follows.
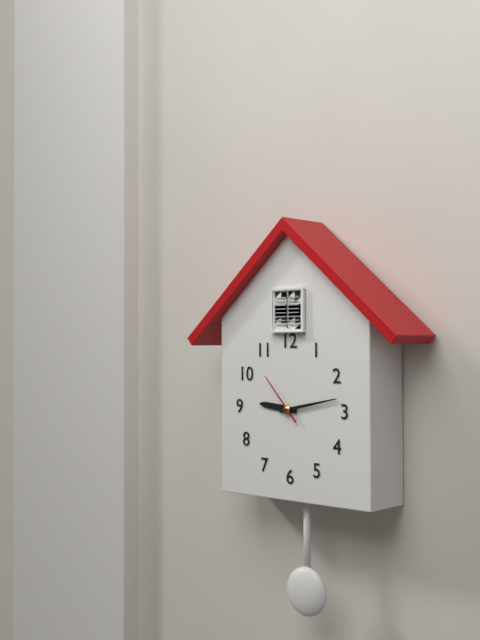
9 h 13 min 53 s
